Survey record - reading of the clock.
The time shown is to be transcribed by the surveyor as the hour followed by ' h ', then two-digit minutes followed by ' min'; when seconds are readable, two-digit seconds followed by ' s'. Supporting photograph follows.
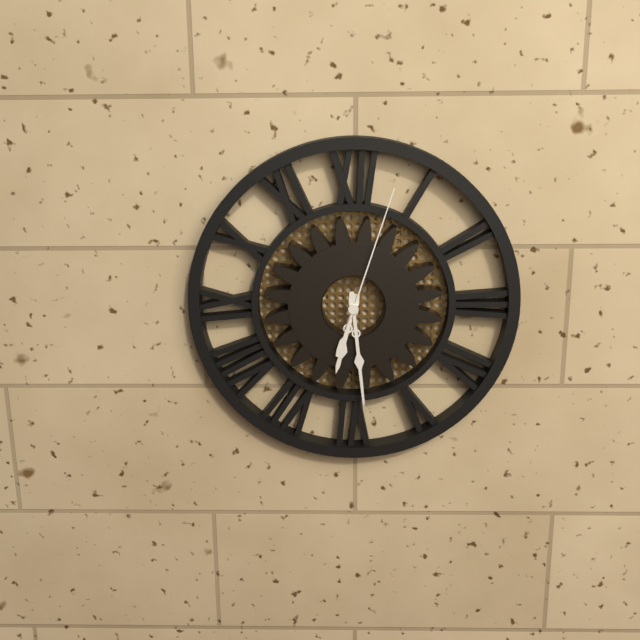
6 h 29 min 03 s
